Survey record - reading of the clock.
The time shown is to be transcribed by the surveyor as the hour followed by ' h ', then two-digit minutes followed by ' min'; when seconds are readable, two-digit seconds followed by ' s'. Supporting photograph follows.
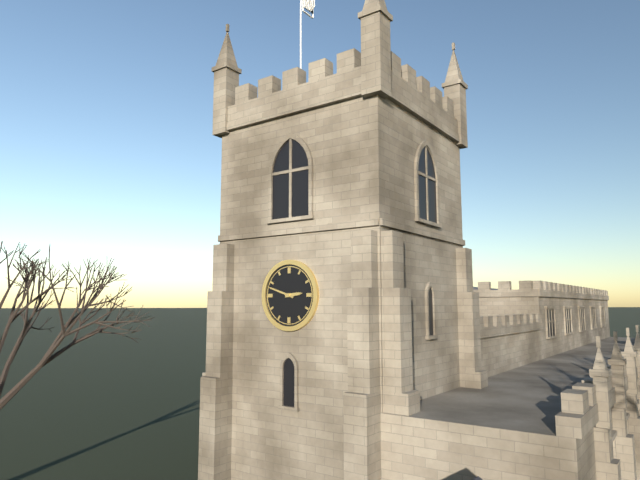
2 h 48 min
